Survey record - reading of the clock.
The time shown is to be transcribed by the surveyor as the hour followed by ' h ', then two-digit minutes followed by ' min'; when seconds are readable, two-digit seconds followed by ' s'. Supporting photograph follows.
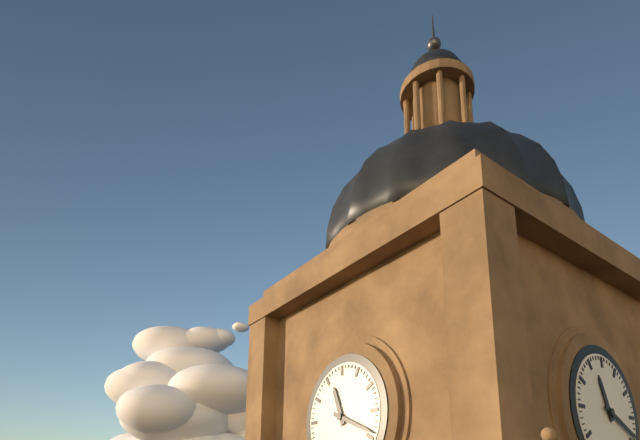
11 h 19 min
